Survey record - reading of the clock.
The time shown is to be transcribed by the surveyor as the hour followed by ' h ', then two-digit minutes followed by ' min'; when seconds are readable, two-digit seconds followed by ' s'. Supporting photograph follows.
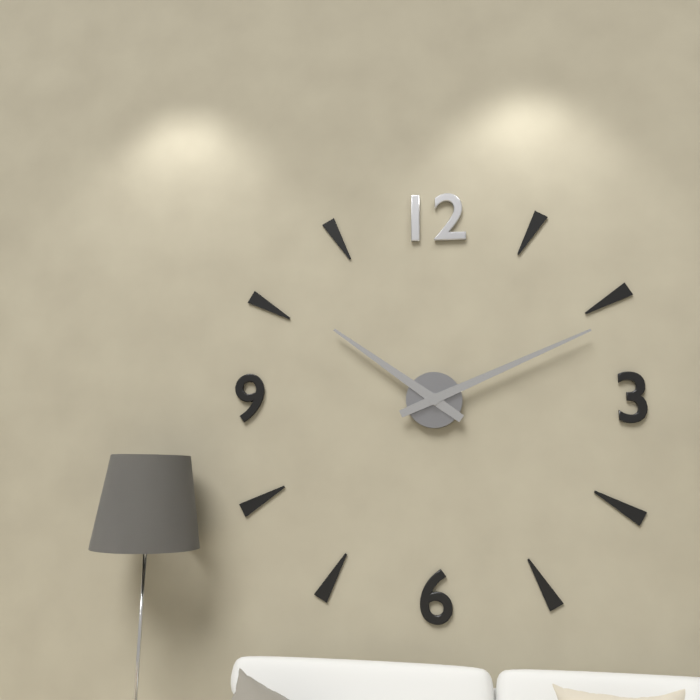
10 h 11 min
